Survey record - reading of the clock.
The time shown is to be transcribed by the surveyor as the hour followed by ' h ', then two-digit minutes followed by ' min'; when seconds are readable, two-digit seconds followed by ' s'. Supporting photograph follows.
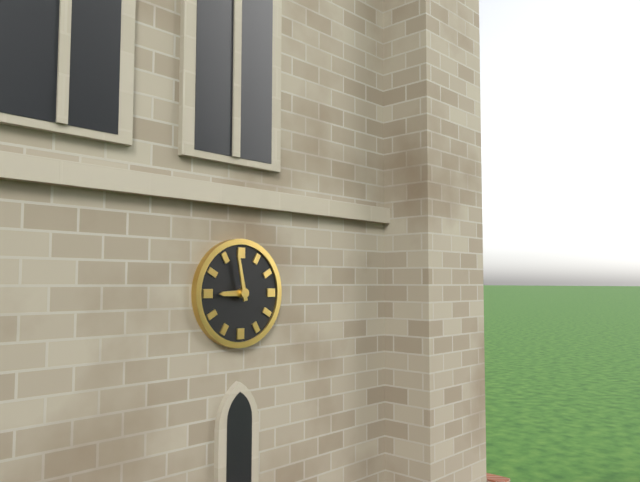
8 h 58 min
